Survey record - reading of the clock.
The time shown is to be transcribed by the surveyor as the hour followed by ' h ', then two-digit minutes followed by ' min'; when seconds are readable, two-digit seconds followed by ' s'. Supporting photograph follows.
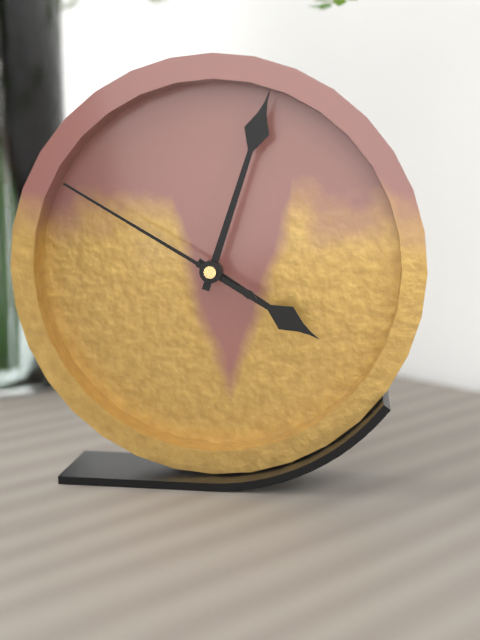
4 h 03 min 50 s
